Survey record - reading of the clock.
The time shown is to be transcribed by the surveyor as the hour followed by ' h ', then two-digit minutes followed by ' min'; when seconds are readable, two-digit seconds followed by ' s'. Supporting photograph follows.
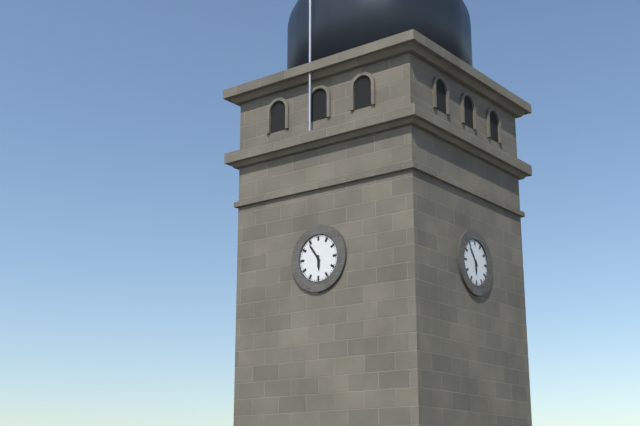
5 h 54 min
